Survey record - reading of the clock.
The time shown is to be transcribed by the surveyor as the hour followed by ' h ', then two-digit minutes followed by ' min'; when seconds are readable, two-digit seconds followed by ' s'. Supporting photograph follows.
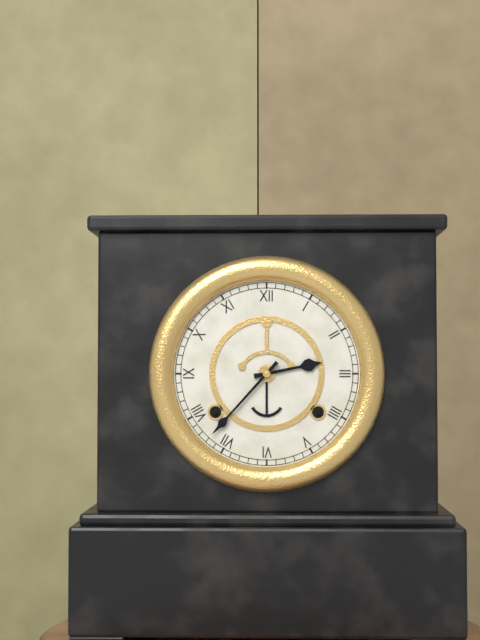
2 h 37 min
